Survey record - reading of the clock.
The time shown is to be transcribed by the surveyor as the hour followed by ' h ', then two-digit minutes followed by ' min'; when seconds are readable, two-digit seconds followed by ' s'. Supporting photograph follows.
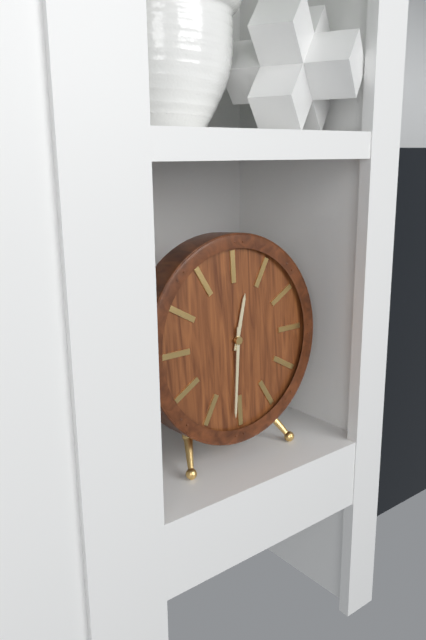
12 h 31 min
